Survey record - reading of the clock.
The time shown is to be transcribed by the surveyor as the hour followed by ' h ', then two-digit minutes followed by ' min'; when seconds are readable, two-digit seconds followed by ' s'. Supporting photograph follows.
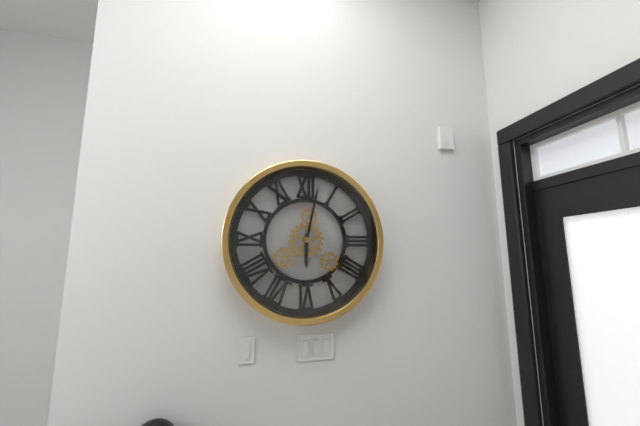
6 h 02 min
